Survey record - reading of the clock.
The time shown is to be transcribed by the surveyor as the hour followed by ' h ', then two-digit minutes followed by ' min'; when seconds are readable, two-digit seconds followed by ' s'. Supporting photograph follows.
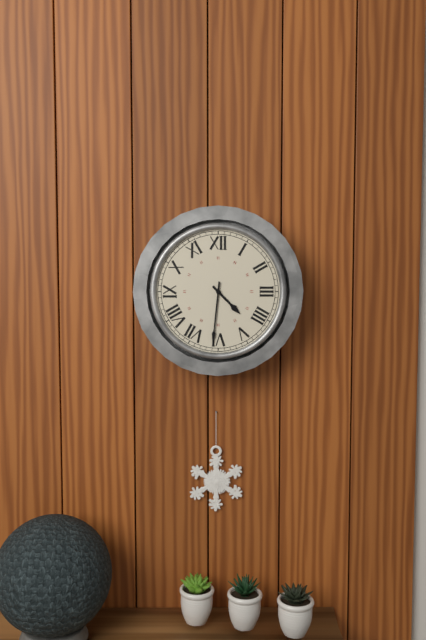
4 h 31 min
